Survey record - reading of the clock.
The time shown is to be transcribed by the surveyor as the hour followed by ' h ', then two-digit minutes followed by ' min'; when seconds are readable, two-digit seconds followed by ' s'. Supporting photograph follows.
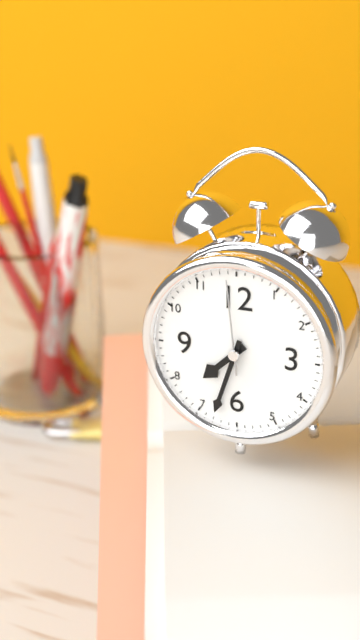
7 h 33 min 59 s
